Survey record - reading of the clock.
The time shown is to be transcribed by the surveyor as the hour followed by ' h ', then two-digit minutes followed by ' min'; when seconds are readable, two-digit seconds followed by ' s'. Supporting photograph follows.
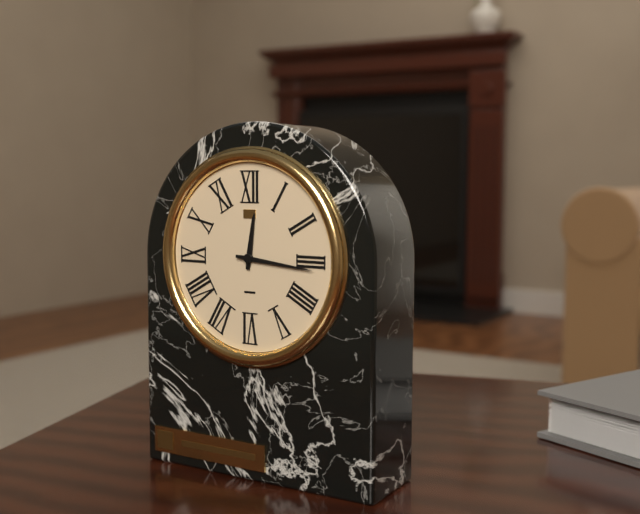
12 h 16 min
